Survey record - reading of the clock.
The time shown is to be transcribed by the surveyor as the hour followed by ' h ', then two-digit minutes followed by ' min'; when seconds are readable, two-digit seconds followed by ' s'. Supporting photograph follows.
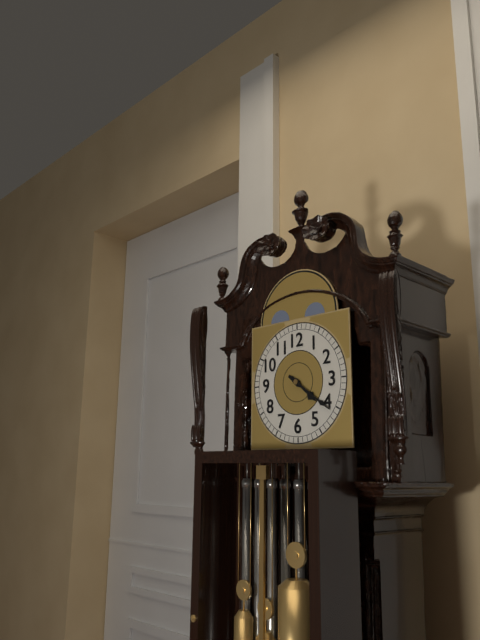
4 h 21 min
